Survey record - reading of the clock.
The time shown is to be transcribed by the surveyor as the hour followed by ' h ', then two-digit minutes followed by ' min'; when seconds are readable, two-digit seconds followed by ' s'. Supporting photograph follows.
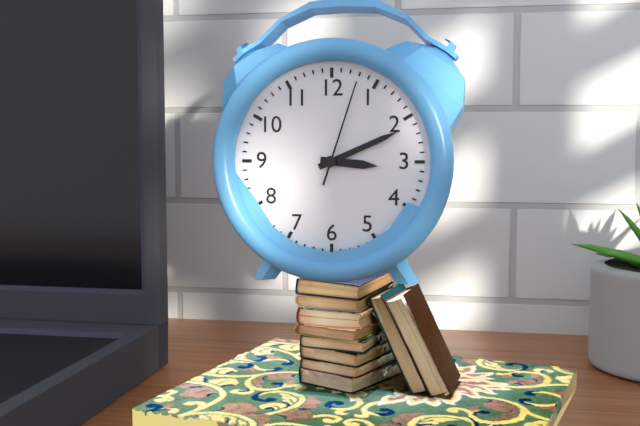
3 h 11 min 03 s
